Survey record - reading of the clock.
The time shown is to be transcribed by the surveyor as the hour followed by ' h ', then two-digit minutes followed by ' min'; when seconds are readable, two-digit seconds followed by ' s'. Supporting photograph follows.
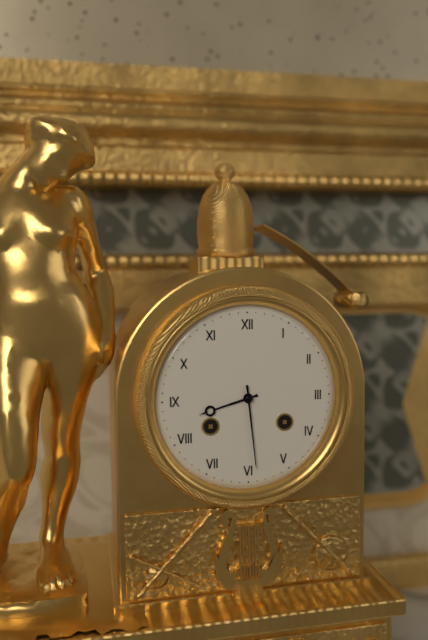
8 h 29 min
